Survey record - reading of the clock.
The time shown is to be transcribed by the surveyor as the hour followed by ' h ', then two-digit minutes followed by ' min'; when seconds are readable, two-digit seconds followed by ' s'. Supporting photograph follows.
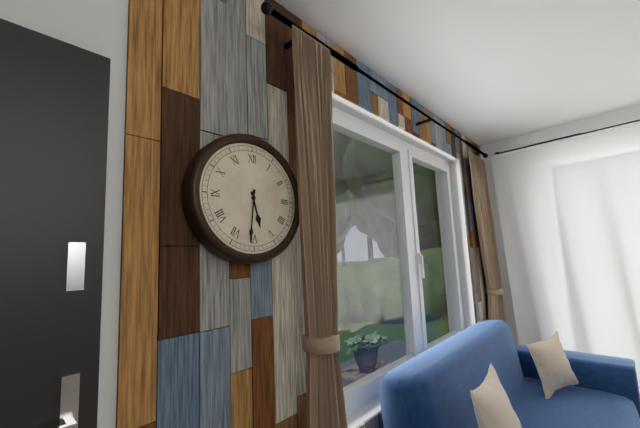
5 h 31 min
